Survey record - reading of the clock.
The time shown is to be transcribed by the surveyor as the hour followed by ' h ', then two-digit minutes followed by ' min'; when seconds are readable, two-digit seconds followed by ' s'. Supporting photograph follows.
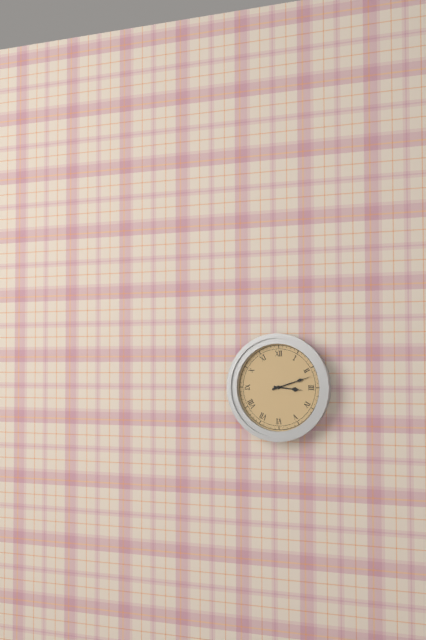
3 h 12 min
